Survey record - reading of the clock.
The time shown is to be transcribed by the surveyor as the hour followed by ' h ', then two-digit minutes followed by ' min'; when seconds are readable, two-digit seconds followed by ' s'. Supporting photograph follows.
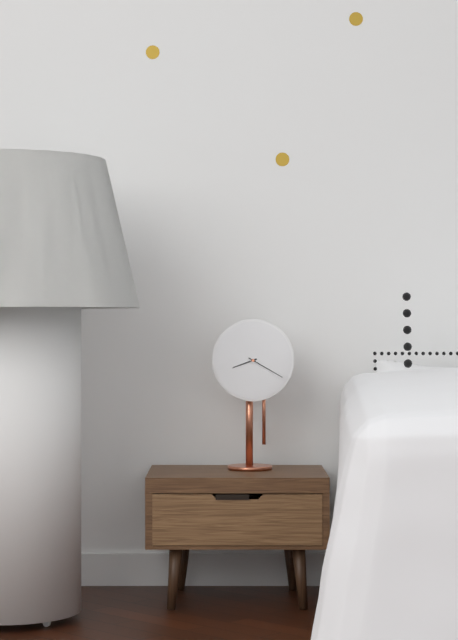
8 h 20 min
